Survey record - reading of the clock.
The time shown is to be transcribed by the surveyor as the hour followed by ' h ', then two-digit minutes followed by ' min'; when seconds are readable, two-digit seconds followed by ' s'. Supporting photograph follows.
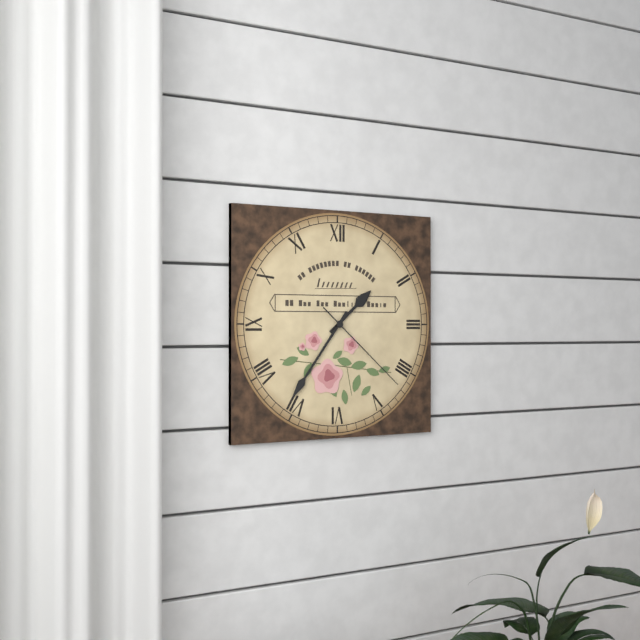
1 h 36 min 22 s
